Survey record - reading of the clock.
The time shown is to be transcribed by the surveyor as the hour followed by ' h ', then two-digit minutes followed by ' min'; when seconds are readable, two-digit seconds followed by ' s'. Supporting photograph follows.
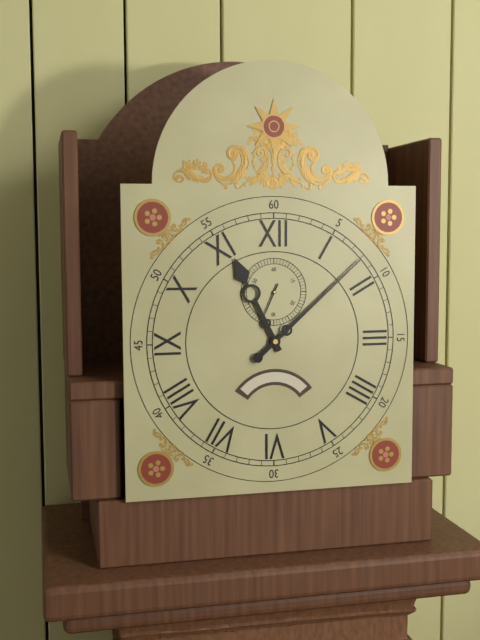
11 h 08 min
